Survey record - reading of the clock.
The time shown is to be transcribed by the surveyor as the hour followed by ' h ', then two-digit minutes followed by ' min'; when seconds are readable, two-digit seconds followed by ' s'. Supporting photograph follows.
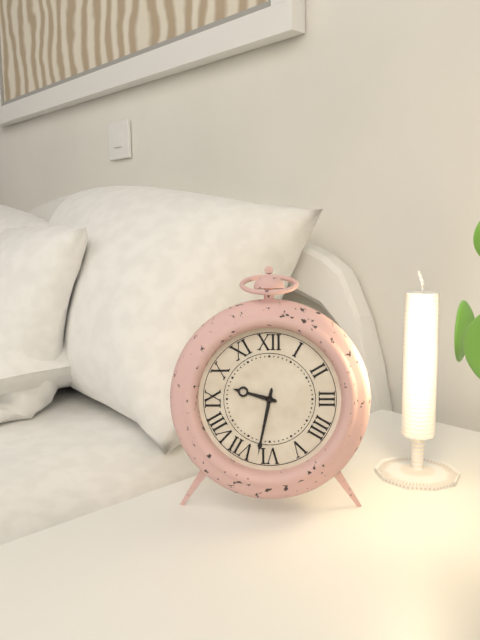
9 h 32 min
